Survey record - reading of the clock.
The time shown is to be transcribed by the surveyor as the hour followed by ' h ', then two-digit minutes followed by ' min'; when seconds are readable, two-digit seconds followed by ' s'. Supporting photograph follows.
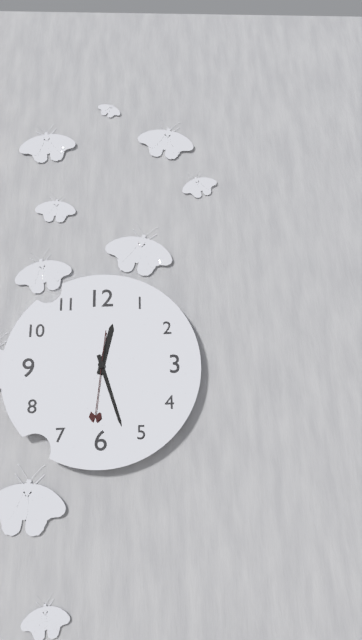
12 h 27 min 31 s
